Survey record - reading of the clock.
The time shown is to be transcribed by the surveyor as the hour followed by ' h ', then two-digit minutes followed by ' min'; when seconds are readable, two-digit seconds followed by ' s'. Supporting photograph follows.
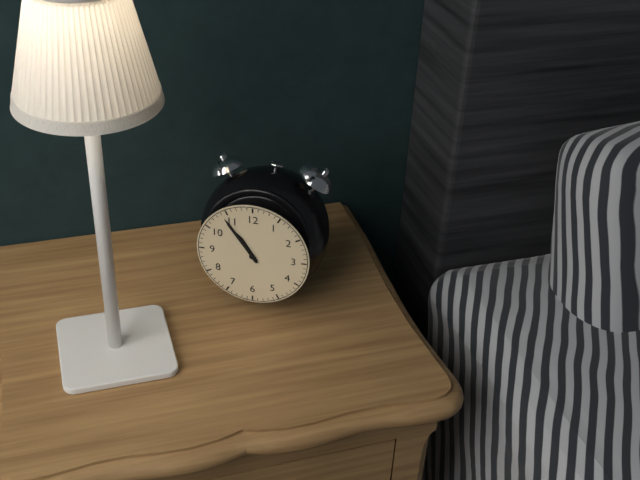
10 h 54 min
